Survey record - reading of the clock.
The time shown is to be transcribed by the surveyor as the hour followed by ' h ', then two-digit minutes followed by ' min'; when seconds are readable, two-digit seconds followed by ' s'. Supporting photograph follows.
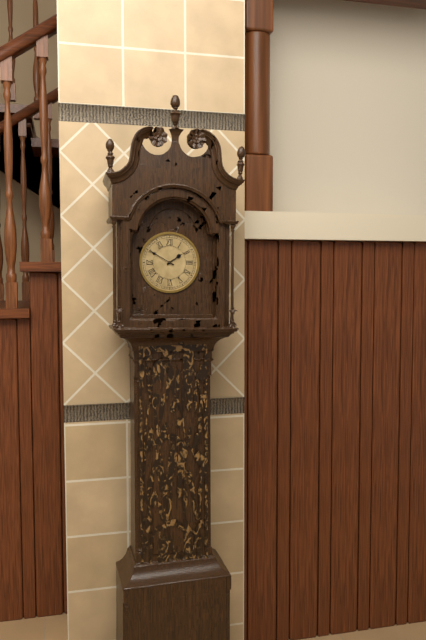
1 h 50 min
